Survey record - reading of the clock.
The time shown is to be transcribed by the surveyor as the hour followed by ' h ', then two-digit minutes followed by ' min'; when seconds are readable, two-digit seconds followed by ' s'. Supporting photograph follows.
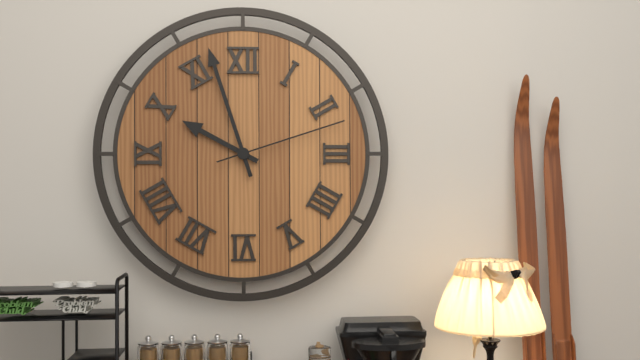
9 h 57 min 12 s
